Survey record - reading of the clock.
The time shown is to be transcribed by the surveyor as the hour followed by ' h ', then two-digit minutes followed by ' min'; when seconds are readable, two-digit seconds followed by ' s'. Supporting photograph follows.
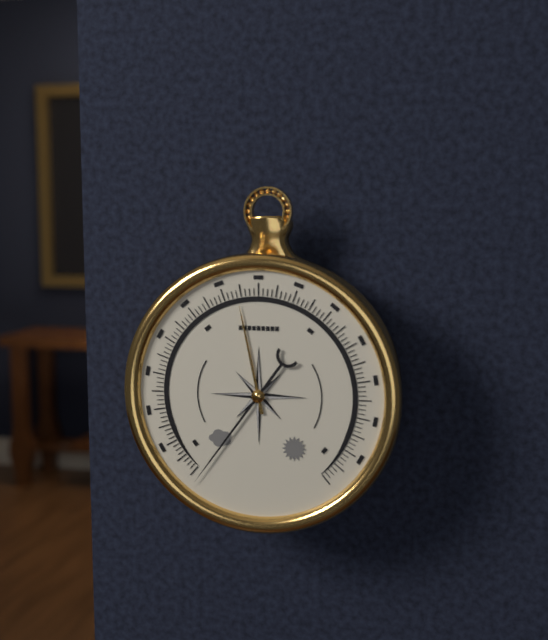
11 h 36 min
